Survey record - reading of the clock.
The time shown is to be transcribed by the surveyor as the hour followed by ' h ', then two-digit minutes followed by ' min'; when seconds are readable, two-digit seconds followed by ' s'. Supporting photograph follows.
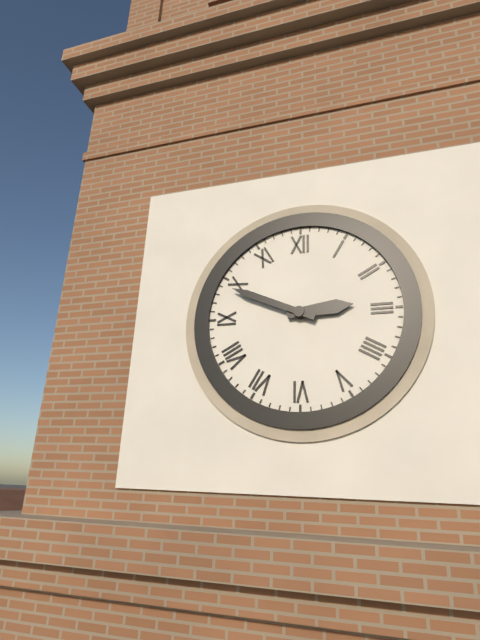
2 h 49 min
